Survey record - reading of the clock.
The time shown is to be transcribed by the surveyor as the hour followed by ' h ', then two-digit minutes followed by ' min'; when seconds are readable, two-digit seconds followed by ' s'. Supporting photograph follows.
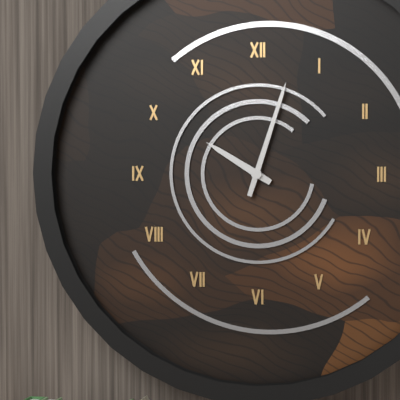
10 h 03 min
